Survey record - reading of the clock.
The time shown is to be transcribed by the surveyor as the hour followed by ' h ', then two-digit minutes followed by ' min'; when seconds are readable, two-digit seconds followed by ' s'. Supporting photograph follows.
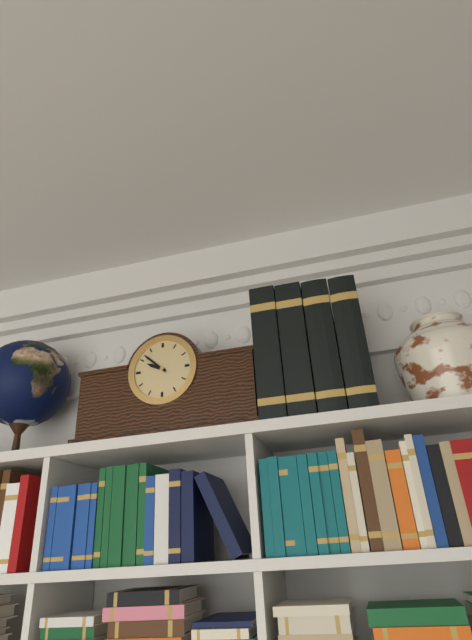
9 h 52 min
